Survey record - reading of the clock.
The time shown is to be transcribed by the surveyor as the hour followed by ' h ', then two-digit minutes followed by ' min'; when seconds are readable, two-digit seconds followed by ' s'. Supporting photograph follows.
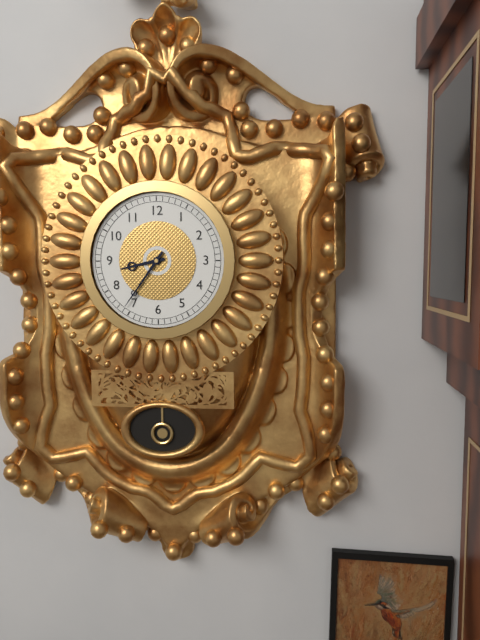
8 h 36 min
